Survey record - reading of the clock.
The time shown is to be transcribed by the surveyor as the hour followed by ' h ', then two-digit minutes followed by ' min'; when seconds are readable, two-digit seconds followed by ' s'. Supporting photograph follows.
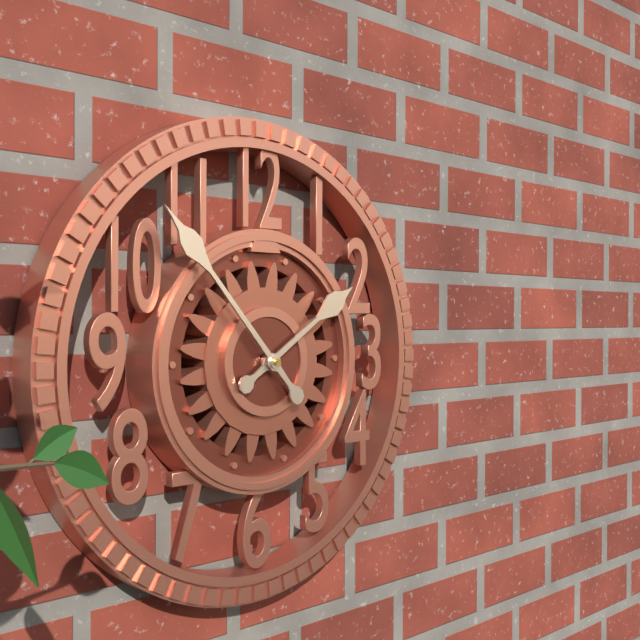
1 h 53 min
